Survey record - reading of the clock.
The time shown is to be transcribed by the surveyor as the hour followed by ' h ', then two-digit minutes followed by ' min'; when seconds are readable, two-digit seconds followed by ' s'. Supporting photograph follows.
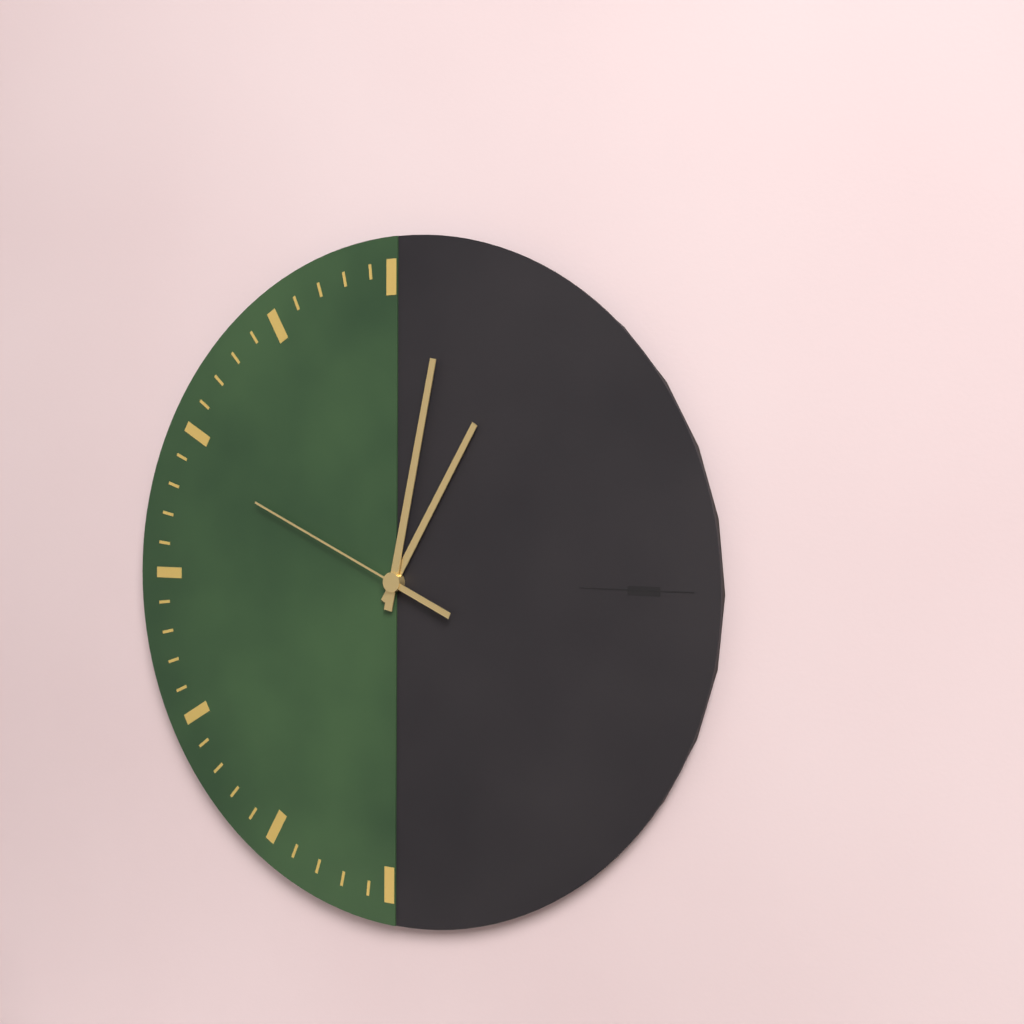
1 h 02 min 49 s
